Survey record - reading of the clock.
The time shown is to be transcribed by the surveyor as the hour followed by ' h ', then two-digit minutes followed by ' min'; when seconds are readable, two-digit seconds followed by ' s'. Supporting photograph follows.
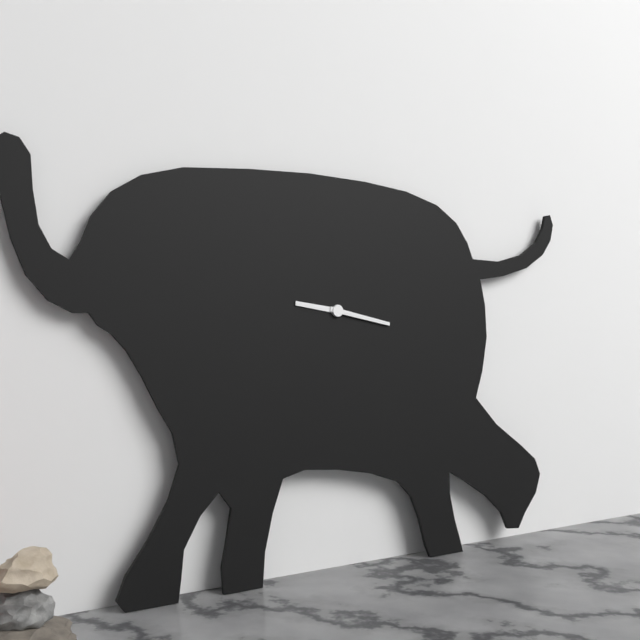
9 h 17 min
